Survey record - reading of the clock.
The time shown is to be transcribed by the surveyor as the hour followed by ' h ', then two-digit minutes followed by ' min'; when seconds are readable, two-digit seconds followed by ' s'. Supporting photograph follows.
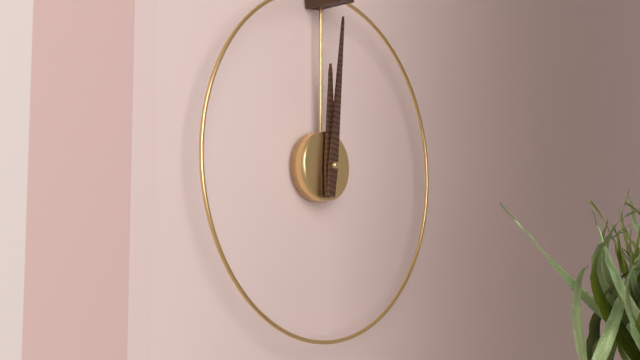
12 h 01 min
